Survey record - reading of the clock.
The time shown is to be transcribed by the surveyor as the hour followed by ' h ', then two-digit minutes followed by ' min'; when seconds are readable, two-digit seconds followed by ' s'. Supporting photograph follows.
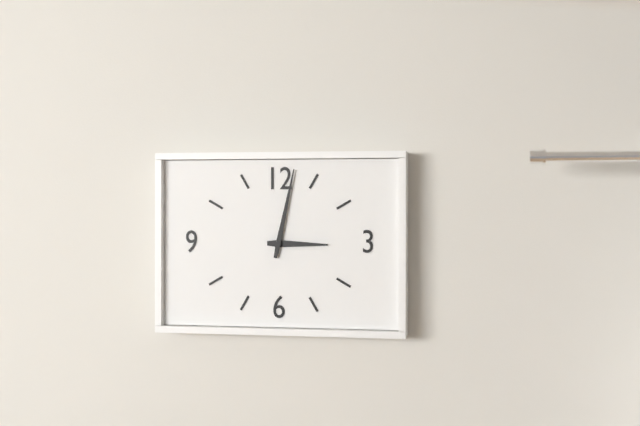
3 h 02 min
